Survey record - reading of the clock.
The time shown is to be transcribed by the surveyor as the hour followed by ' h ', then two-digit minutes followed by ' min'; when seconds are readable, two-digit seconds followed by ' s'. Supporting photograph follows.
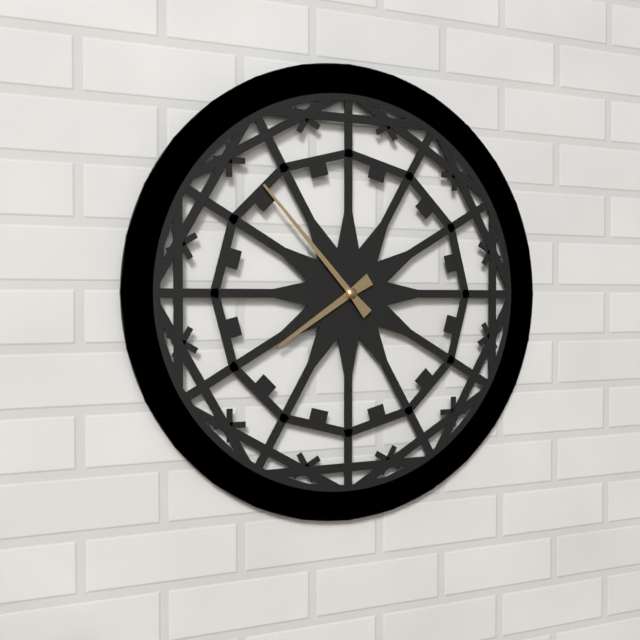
7 h 53 min
